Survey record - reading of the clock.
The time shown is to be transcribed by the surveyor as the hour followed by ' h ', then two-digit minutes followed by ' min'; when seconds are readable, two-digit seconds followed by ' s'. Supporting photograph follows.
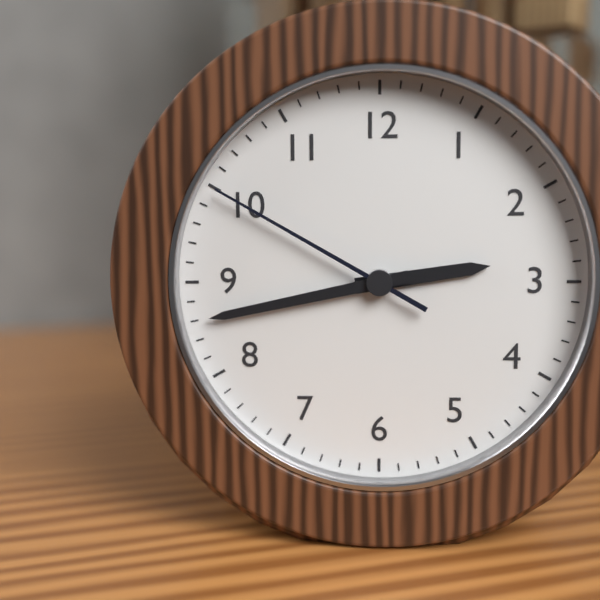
2 h 43 min 50 s
